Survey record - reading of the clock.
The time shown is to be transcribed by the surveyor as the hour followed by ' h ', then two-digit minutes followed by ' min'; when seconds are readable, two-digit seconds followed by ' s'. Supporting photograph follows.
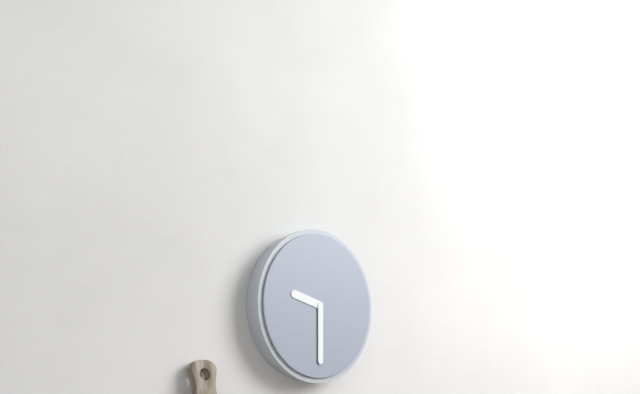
9 h 30 min
